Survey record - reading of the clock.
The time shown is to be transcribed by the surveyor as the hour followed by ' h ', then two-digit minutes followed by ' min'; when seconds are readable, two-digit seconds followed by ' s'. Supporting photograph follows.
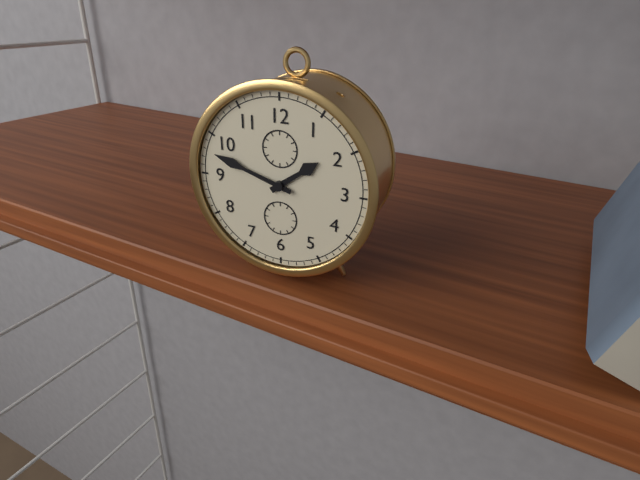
1 h 48 min
